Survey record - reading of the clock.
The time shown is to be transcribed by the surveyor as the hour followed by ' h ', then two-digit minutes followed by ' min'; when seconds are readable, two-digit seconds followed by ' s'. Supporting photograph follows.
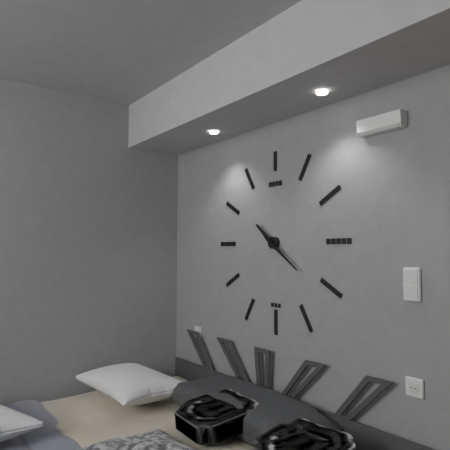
10 h 21 min
